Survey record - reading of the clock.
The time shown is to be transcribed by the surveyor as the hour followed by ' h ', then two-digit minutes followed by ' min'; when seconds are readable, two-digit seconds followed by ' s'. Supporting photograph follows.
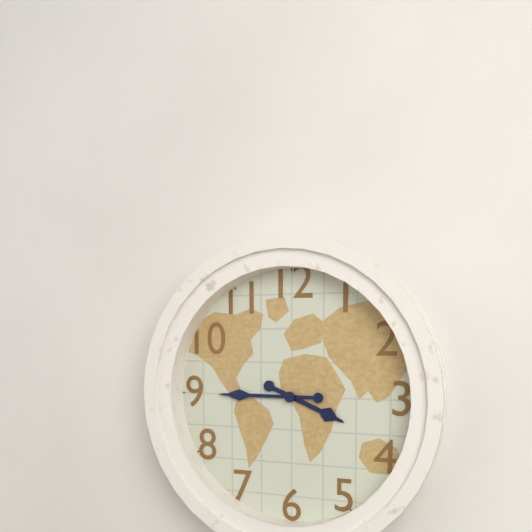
3 h 45 min
